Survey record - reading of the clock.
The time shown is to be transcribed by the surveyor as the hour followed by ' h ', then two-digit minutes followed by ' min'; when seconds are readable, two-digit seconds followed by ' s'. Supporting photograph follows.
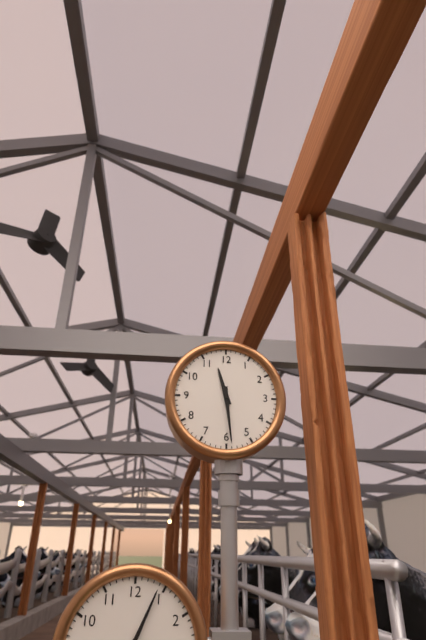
11 h 29 min
